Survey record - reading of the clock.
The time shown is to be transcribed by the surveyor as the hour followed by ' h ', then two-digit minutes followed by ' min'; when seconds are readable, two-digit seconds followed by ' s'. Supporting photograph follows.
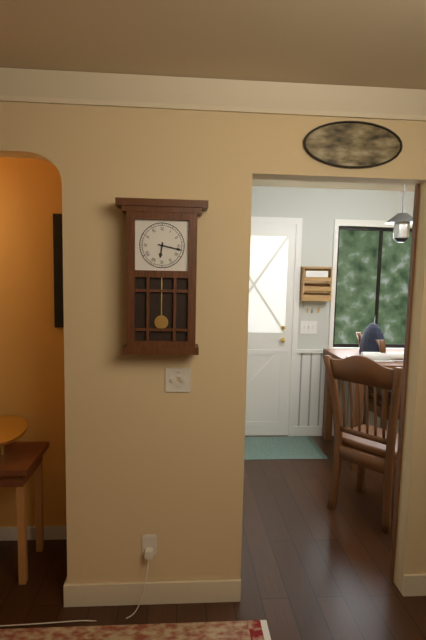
6 h 17 min
